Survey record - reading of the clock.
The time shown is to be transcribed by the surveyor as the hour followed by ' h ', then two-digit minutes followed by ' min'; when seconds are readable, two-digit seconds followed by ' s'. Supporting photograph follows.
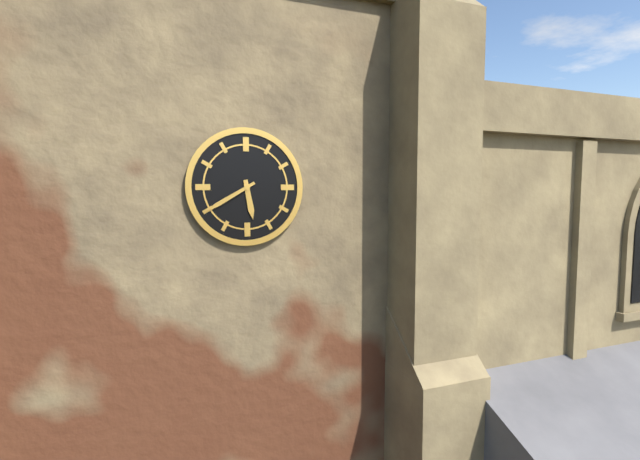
5 h 40 min
